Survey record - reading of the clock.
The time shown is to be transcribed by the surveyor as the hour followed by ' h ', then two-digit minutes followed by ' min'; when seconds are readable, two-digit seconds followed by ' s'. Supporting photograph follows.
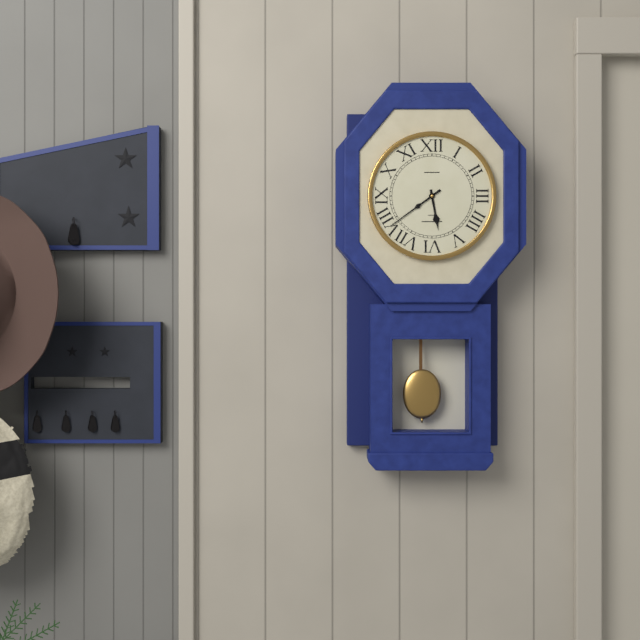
5 h 39 min
